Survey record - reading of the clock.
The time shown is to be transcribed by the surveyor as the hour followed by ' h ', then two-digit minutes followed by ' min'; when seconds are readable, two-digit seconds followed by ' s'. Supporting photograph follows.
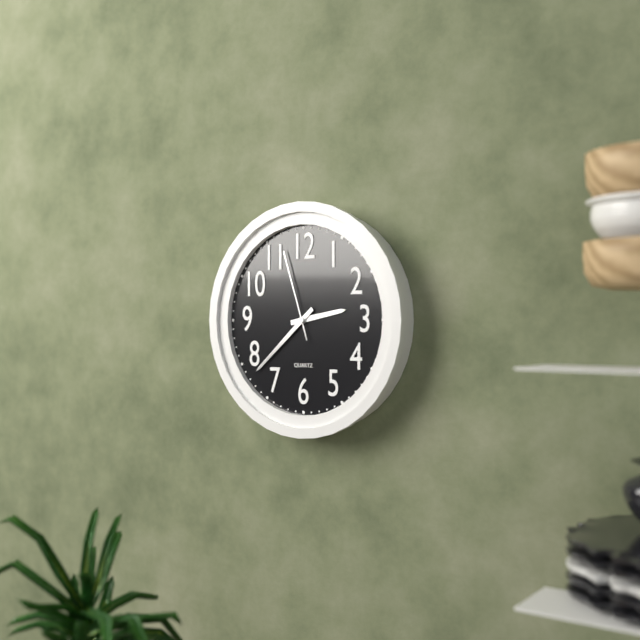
2 h 38 min 57 s
